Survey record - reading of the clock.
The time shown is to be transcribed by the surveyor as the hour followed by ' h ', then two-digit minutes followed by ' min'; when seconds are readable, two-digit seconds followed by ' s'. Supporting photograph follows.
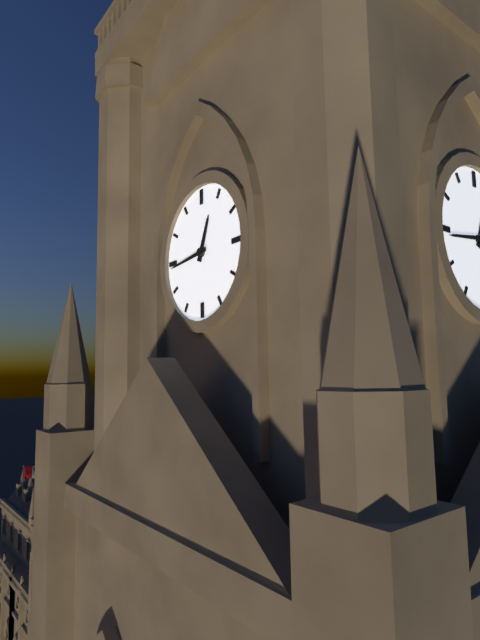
12 h 44 min
